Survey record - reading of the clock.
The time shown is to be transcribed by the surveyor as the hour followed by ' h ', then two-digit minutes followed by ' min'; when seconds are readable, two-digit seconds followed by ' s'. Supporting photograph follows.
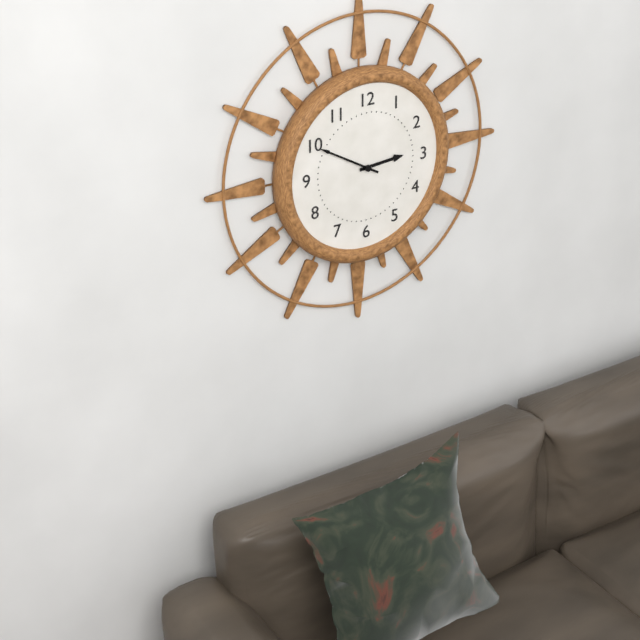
2 h 50 min
